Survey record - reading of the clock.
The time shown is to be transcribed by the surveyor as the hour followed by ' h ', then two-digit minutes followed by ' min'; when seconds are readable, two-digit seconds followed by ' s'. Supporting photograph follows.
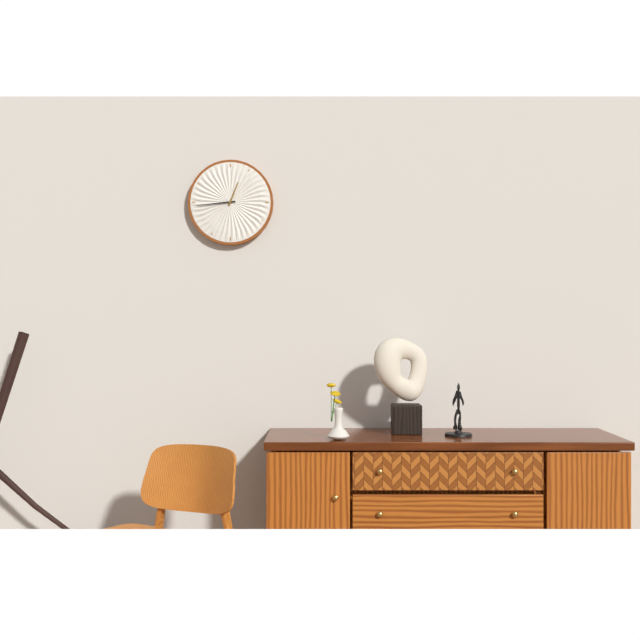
12 h 44 min
